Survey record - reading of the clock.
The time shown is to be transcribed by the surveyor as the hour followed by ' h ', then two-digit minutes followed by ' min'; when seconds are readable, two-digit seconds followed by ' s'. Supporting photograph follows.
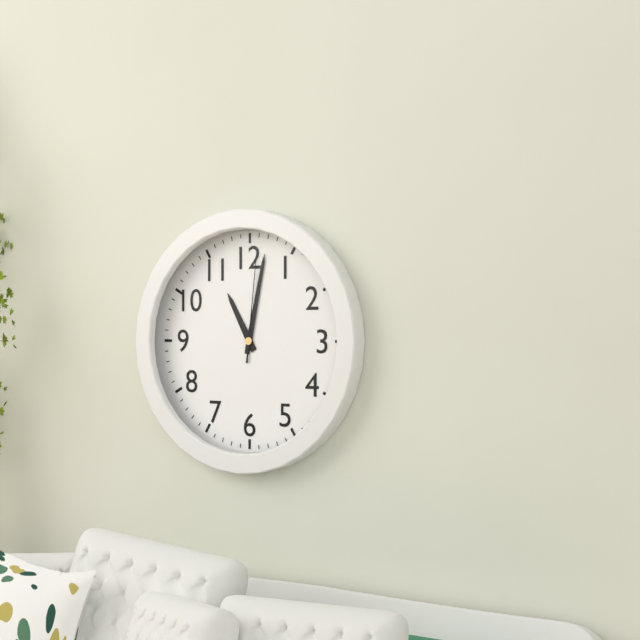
11 h 02 min 01 s
